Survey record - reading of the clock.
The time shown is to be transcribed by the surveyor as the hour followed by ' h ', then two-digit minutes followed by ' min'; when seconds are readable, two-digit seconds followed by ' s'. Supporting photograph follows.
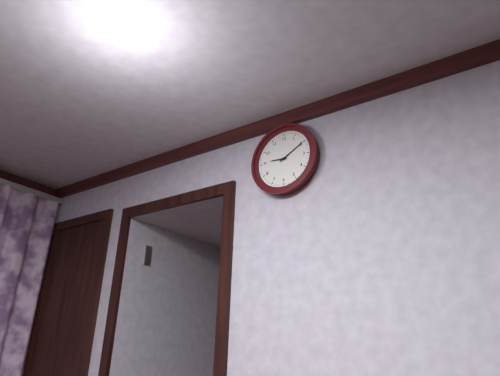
9 h 10 min
